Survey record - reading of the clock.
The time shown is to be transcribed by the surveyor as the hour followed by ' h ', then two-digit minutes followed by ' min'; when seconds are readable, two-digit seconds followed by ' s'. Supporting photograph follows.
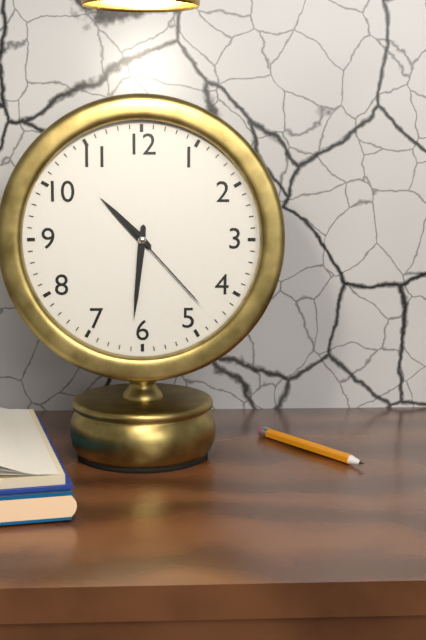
10 h 31 min 23 s
